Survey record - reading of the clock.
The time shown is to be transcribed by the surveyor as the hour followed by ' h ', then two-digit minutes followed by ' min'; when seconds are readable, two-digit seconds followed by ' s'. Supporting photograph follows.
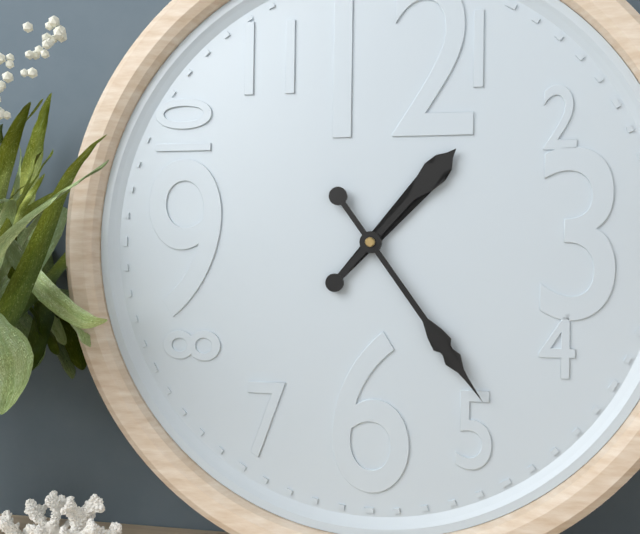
1 h 24 min
